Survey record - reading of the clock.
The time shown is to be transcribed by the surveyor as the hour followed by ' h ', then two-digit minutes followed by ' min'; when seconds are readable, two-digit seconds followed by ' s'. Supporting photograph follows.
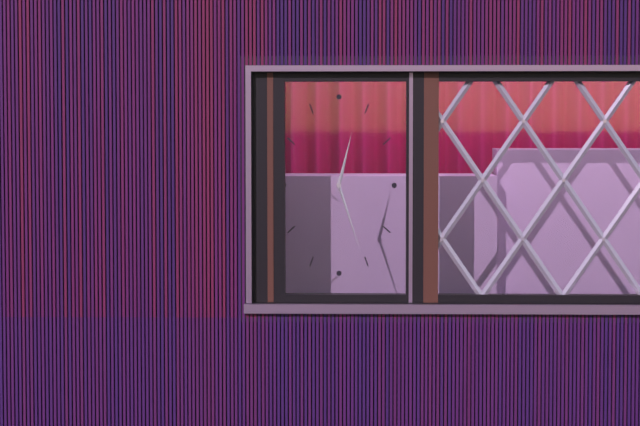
12 h 27 min
